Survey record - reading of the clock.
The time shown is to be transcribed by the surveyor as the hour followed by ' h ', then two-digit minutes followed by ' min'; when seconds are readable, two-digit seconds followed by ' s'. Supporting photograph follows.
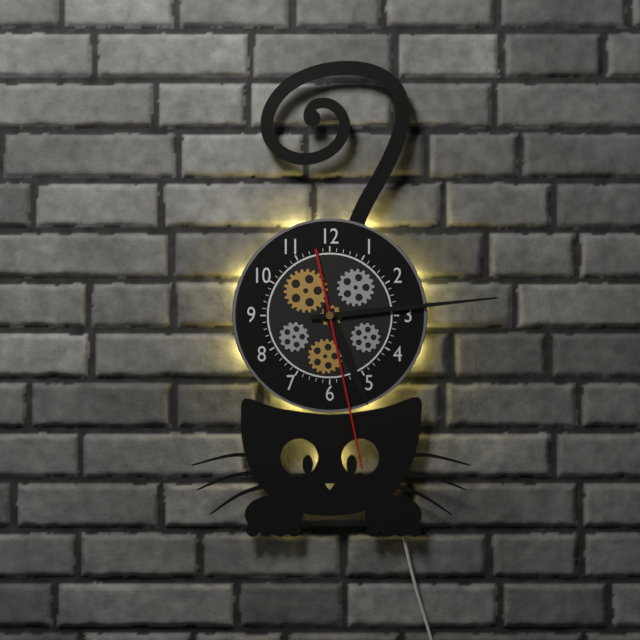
5 h 14 min 28 s
